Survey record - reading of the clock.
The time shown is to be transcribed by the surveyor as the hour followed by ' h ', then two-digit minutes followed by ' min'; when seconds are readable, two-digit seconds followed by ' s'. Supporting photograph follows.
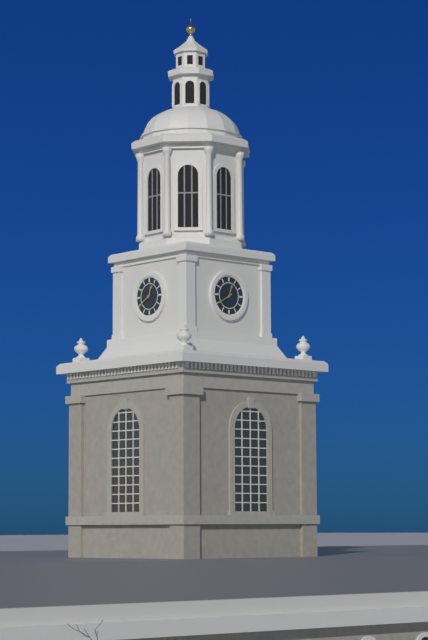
12 h 40 min
